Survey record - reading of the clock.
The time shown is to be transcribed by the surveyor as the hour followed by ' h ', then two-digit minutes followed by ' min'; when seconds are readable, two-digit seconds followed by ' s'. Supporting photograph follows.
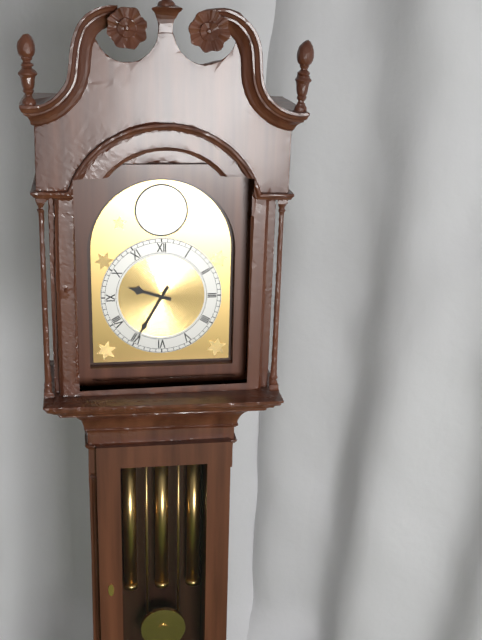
9 h 35 min
